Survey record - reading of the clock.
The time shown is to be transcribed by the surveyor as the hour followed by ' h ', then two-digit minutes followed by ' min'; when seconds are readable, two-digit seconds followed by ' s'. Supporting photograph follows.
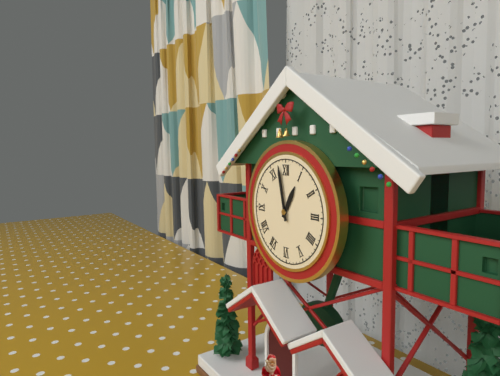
12 h 58 min
